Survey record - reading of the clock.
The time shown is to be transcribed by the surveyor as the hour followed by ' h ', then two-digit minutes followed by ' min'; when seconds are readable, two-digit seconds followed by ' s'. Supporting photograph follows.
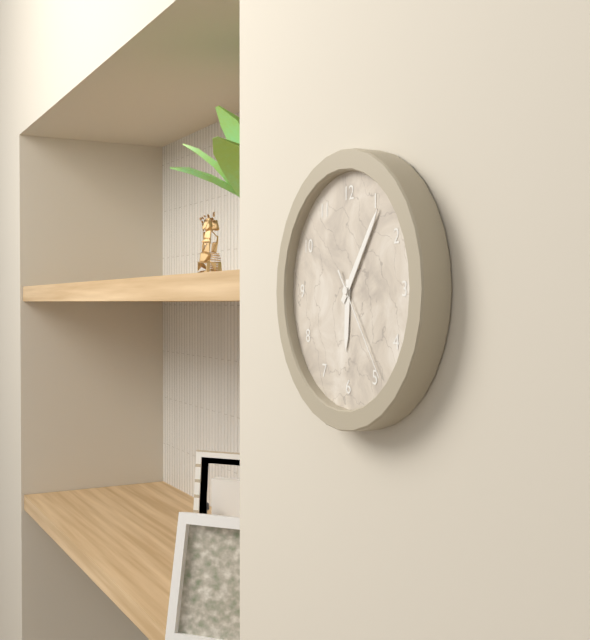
6 h 06 min 24 s
